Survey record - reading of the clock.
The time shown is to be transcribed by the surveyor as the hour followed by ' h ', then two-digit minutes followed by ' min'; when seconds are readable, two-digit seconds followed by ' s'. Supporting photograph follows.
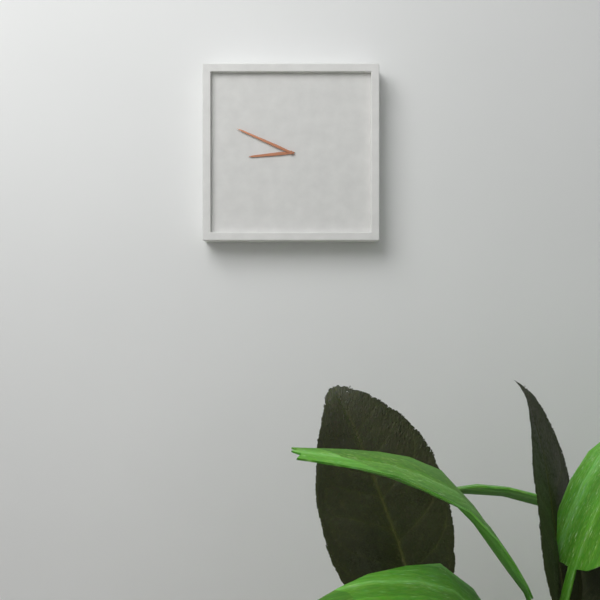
8 h 49 min
